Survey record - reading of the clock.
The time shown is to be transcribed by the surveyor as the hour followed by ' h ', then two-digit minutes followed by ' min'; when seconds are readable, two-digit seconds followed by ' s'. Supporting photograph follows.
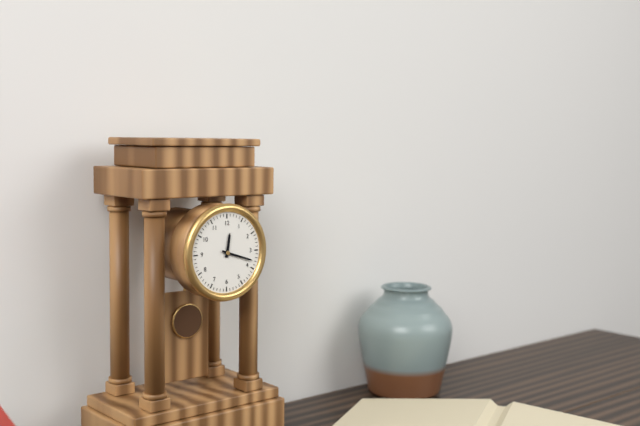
12 h 18 min
